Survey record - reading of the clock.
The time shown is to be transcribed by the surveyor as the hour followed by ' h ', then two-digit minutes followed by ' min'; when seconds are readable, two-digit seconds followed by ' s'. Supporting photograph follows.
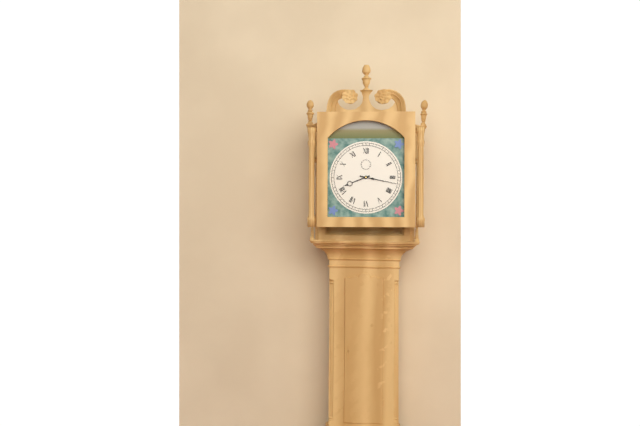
8 h 17 min
